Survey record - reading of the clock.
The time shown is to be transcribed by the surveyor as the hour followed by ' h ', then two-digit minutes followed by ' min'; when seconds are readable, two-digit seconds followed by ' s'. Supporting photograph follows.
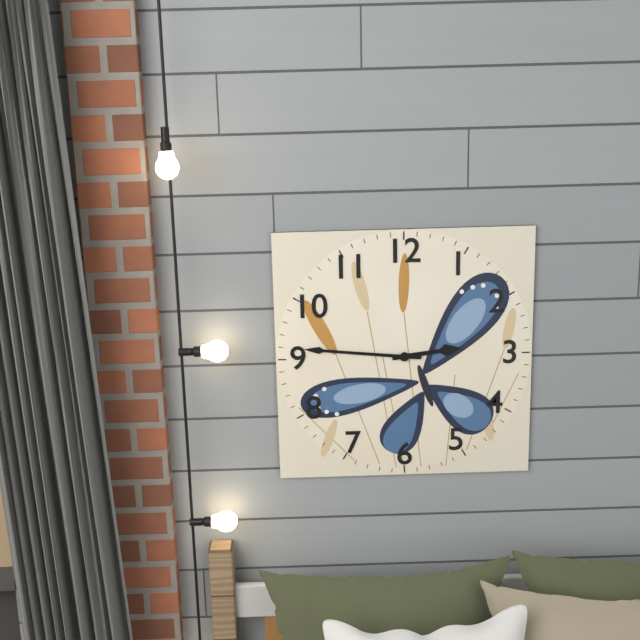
2 h 46 min
